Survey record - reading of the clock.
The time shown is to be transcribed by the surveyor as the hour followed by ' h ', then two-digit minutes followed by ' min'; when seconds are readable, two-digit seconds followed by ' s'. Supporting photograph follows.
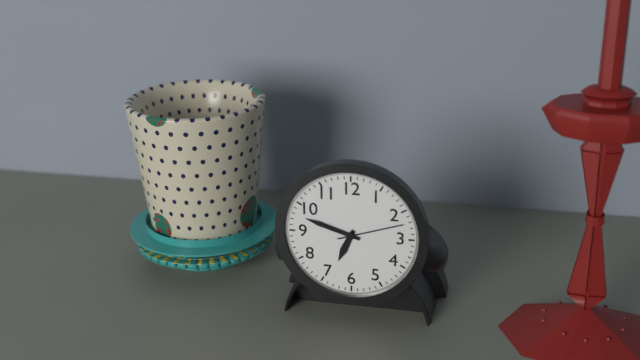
6 h 48 min 12 s
